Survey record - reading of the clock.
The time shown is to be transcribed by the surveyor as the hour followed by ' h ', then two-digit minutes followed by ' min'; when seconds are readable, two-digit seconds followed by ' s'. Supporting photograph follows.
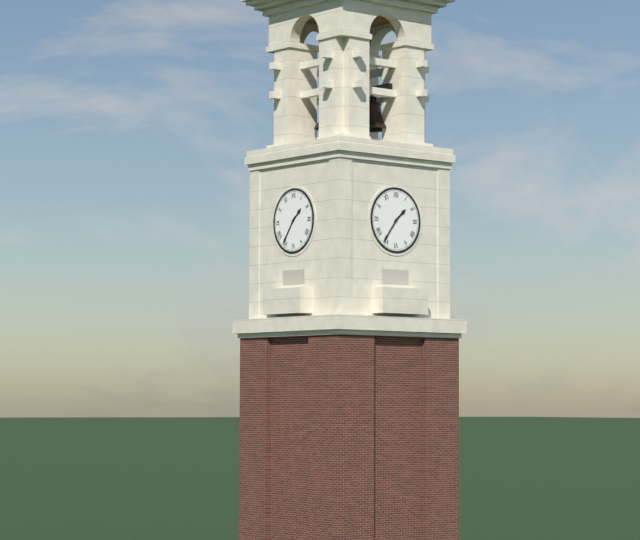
1 h 36 min
